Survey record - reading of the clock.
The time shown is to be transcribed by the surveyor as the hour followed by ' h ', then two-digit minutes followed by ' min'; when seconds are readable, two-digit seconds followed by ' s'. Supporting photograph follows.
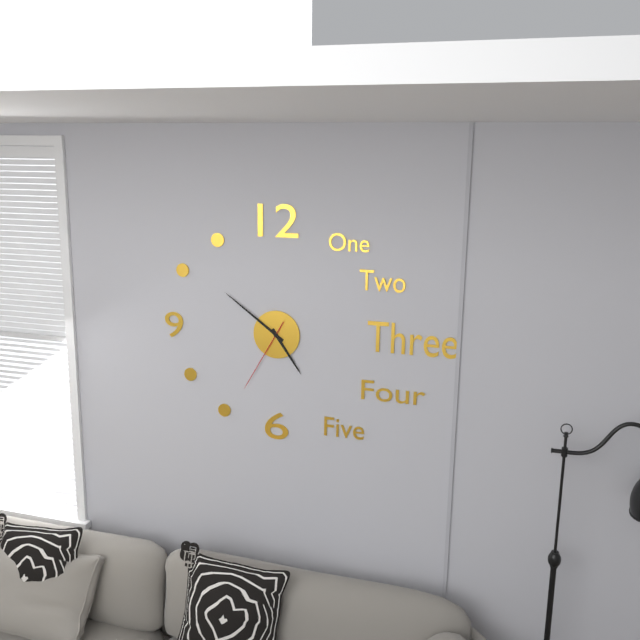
4 h 51 min 35 s
